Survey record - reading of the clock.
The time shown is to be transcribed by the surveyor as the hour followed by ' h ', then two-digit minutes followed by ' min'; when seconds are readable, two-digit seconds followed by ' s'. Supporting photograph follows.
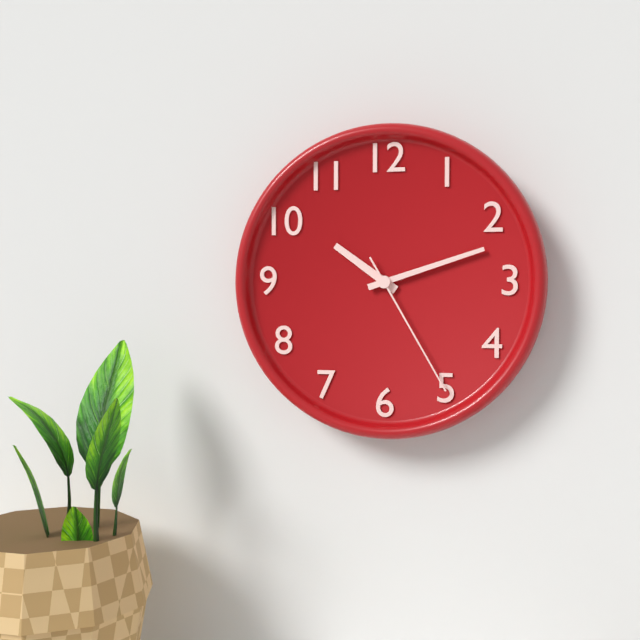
10 h 12 min 25 s
